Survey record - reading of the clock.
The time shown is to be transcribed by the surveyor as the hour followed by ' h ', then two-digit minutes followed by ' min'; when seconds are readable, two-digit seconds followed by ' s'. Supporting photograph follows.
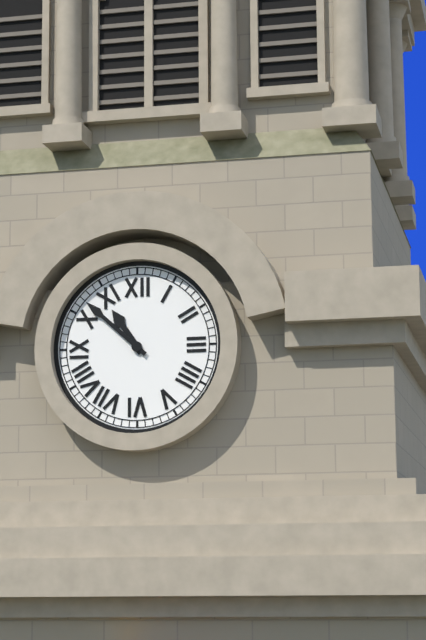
10 h 52 min
